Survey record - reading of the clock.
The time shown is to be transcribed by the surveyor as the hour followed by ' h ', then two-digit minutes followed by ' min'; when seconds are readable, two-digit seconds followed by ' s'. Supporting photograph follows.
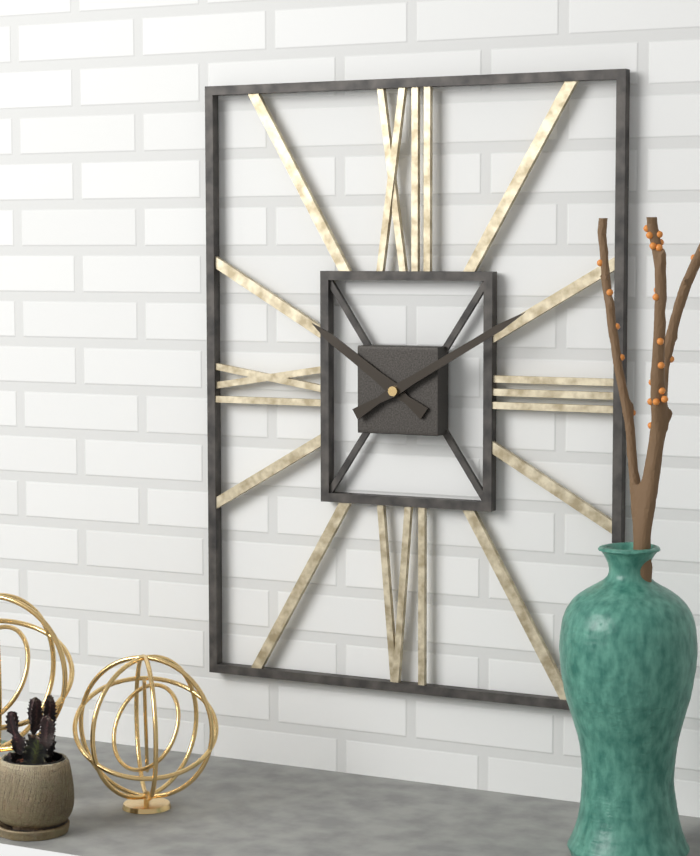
10 h 10 min
